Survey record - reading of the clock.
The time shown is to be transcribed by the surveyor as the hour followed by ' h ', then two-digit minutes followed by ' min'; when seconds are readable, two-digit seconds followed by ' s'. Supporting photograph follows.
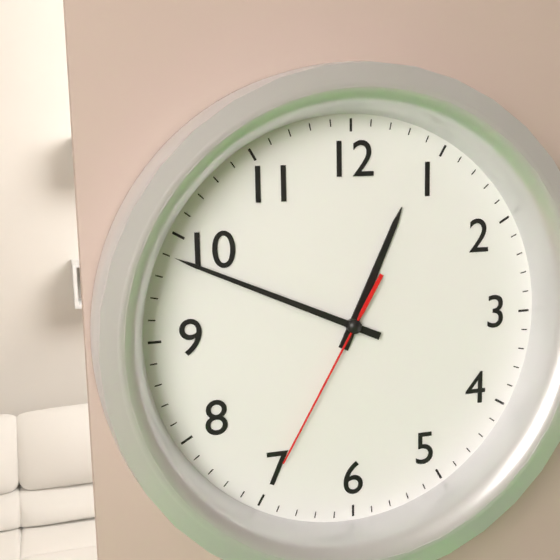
12 h 49 min 35 s
